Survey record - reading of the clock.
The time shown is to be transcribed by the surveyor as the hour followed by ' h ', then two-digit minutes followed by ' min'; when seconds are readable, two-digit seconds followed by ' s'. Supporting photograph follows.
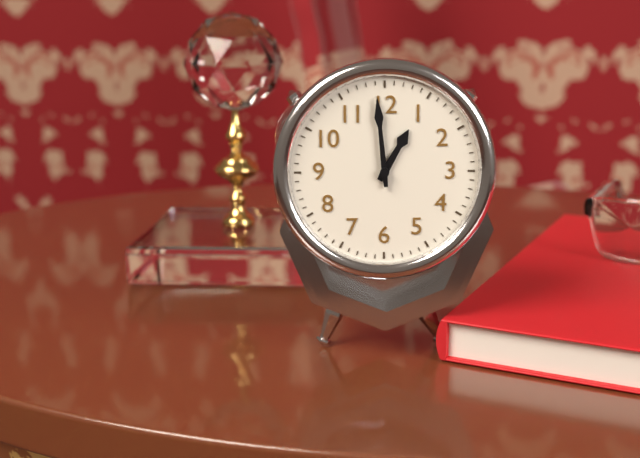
12 h 59 min
